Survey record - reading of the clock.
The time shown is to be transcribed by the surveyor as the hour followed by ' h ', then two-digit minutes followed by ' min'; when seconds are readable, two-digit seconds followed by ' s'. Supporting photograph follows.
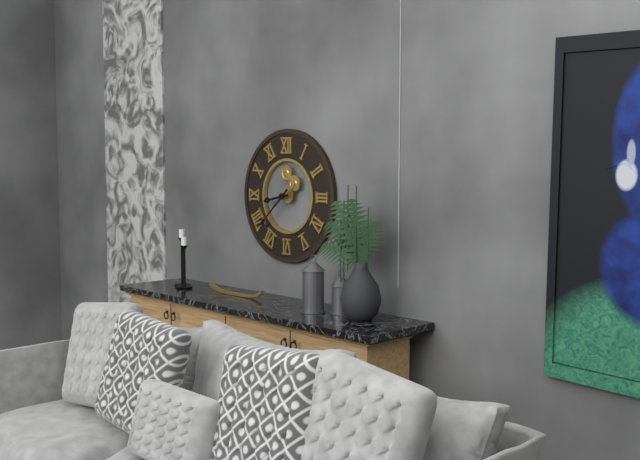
8 h 38 min
